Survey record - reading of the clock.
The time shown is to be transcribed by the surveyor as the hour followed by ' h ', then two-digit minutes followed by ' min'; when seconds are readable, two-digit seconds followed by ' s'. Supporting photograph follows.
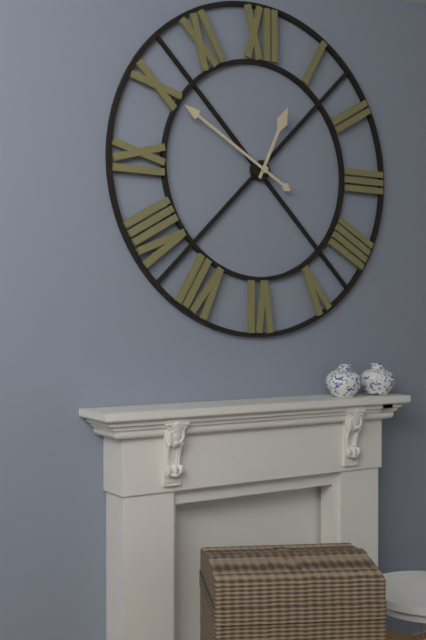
12 h 50 min
